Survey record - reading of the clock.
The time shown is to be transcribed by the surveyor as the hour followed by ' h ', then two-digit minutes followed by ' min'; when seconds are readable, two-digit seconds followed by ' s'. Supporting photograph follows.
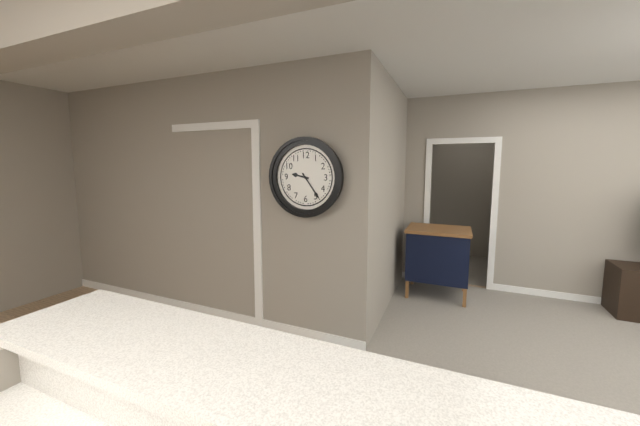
9 h 24 min
